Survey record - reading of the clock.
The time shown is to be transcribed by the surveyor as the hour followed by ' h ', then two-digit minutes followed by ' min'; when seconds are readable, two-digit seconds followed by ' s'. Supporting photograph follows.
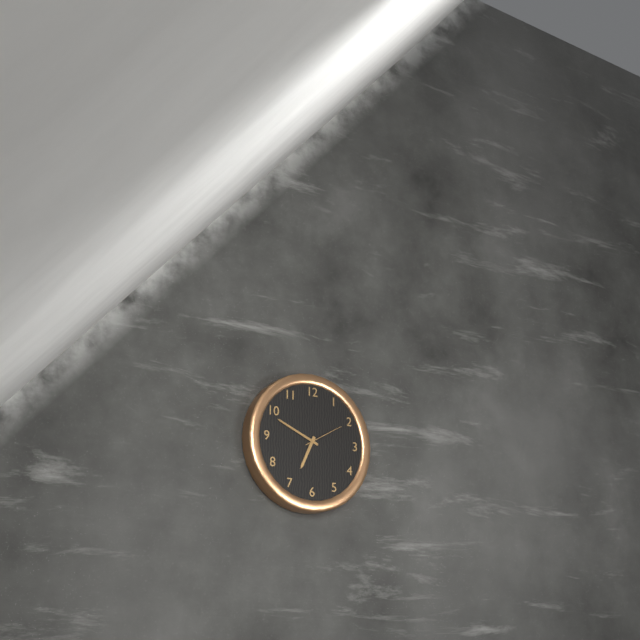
6 h 49 min
